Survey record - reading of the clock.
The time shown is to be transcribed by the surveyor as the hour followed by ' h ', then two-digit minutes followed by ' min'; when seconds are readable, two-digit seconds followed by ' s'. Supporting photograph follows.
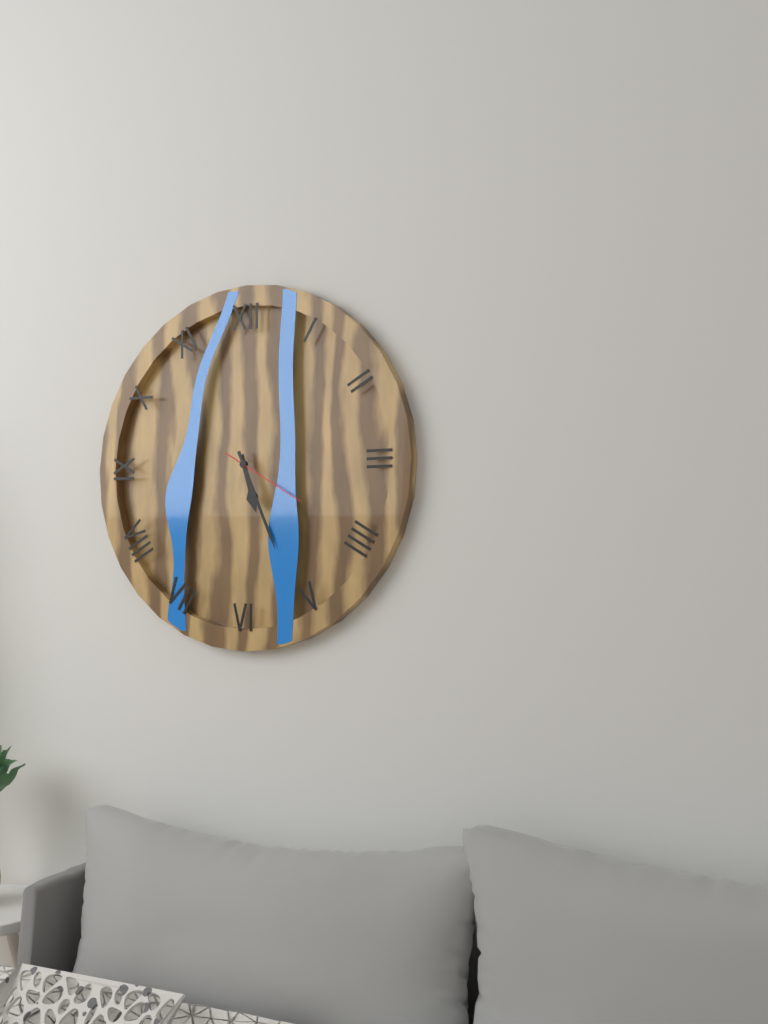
5 h 26 min 20 s
